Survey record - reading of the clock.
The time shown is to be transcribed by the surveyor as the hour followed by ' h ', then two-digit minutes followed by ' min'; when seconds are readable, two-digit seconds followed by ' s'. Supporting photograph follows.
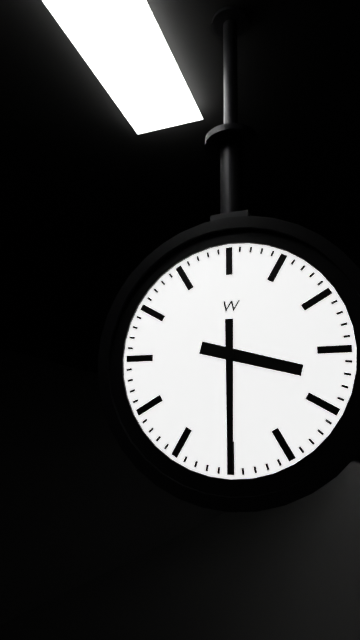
3 h 30 min
